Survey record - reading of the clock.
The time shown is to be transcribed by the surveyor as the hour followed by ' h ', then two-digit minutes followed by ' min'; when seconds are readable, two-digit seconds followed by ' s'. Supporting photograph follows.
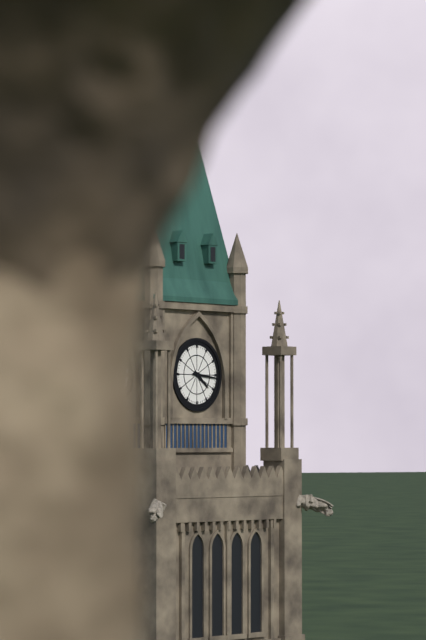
4 h 16 min
